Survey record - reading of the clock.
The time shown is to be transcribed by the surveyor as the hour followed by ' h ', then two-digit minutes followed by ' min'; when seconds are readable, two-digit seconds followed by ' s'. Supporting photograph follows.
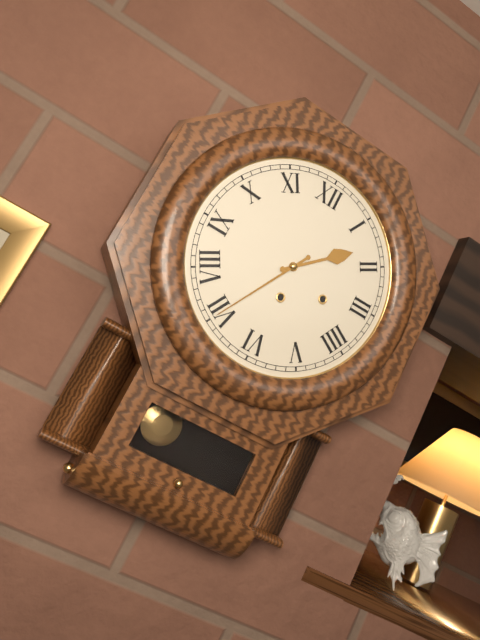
1 h 35 min
